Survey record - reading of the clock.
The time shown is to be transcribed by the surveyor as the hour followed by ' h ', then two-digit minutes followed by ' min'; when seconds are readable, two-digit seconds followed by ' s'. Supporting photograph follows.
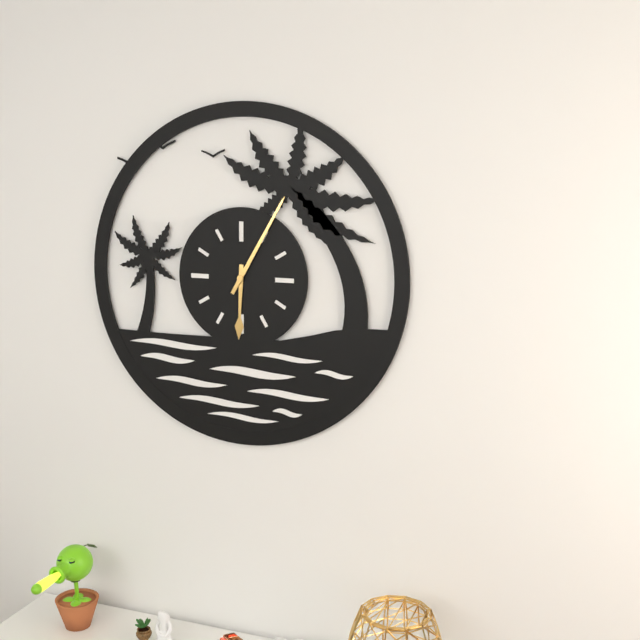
6 h 05 min
